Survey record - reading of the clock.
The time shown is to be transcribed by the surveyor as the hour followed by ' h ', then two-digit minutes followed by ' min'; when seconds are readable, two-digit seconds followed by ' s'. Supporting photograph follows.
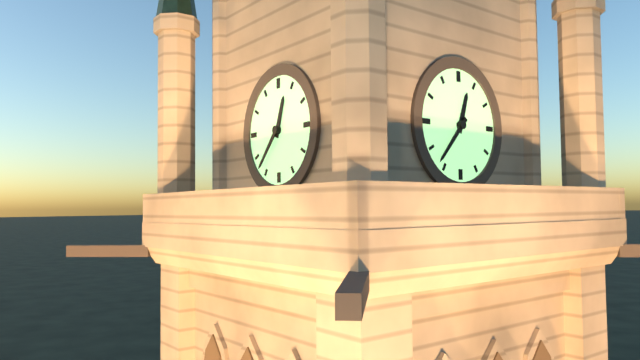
12 h 37 min
